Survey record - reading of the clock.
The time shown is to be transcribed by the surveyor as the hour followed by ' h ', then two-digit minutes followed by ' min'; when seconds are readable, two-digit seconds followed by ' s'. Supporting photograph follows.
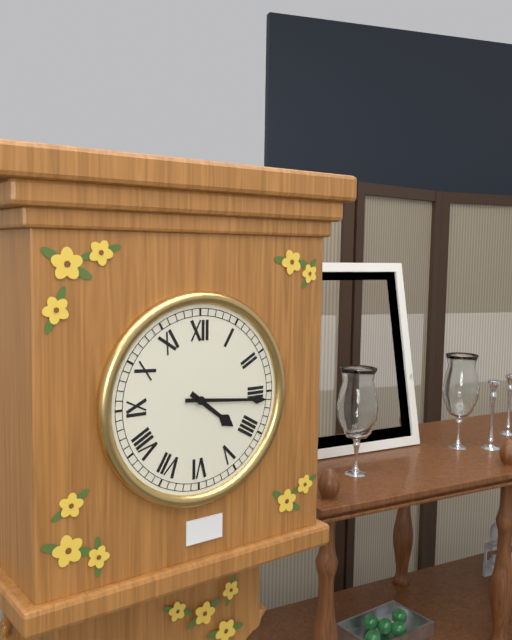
4 h 16 min
